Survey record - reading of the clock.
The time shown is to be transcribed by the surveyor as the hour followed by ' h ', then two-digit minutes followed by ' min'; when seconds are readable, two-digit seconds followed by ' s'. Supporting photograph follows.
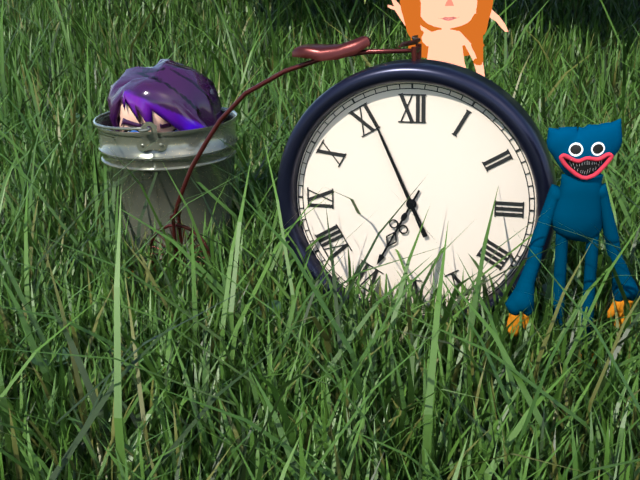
6 h 56 min
